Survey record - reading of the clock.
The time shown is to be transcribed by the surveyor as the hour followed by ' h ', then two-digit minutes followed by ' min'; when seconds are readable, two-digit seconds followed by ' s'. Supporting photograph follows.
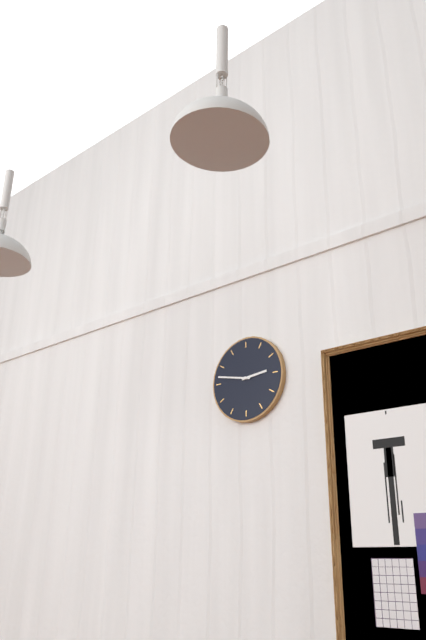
2 h 47 min
